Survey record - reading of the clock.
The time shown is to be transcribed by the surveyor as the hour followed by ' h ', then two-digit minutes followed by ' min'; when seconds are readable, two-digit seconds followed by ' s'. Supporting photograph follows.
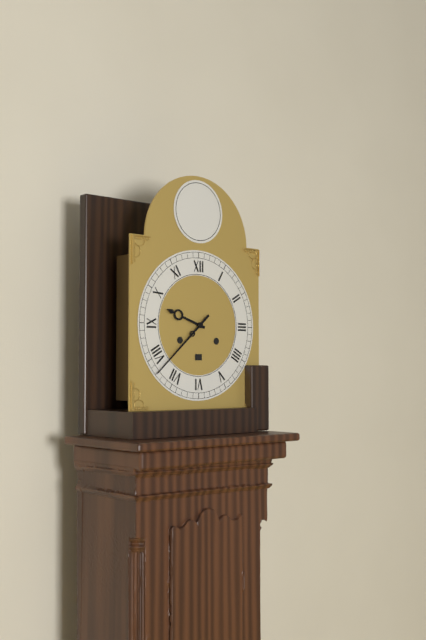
9 h 38 min
